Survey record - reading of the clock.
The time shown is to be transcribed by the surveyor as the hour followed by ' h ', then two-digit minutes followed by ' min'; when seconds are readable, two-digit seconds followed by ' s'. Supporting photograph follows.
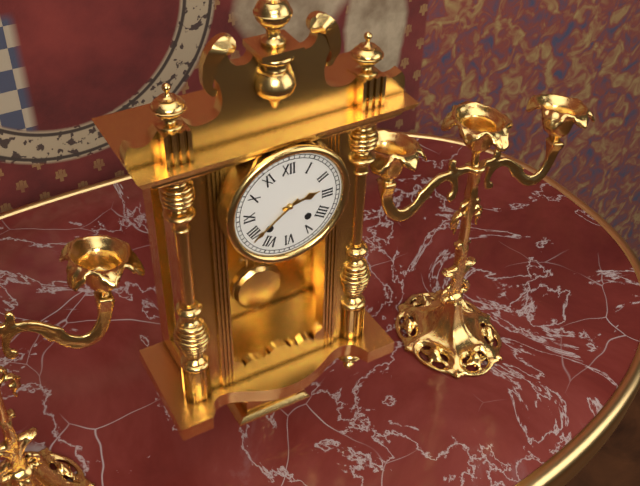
2 h 39 min
